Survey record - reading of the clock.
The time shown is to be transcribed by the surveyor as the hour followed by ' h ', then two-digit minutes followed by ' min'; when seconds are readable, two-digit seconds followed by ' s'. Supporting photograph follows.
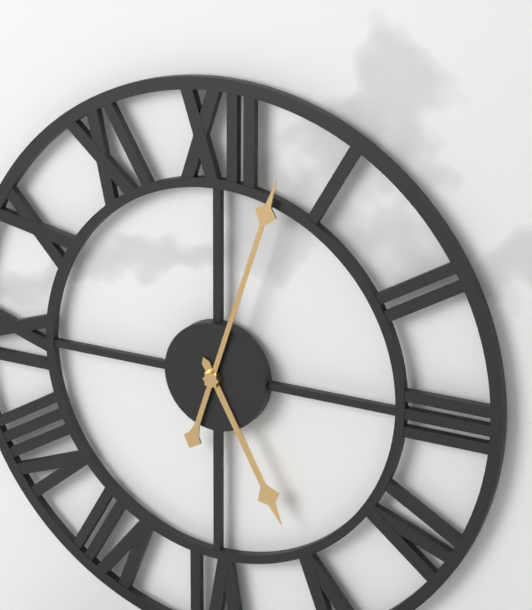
5 h 03 min
